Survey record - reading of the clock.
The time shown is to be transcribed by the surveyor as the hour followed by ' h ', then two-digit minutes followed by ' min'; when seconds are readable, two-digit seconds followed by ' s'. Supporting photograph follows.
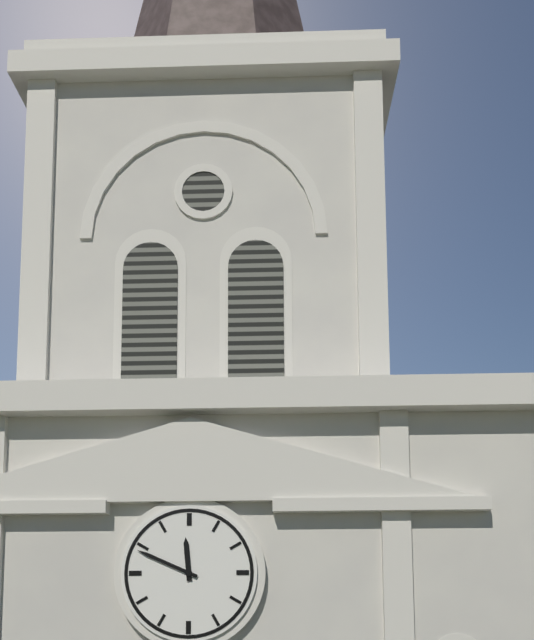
11 h 49 min
